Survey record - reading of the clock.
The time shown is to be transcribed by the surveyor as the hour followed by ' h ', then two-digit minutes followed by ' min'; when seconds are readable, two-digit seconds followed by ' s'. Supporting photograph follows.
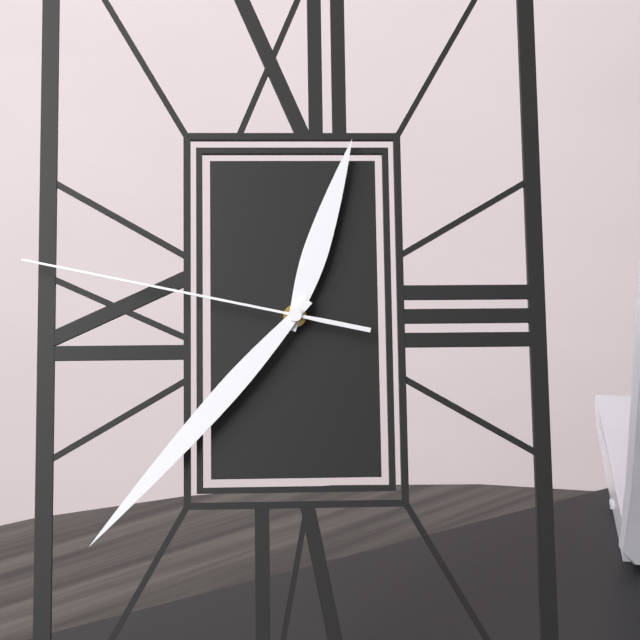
12 h 37 min 47 s
